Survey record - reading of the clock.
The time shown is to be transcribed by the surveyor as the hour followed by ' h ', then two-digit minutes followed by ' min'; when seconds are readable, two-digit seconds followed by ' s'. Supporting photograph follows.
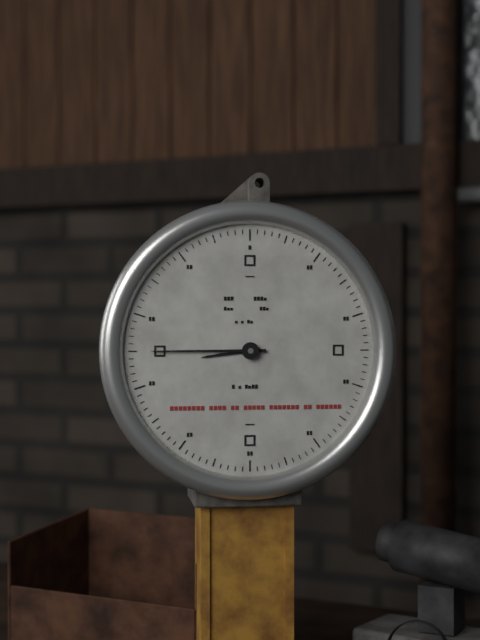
8 h 45 min
